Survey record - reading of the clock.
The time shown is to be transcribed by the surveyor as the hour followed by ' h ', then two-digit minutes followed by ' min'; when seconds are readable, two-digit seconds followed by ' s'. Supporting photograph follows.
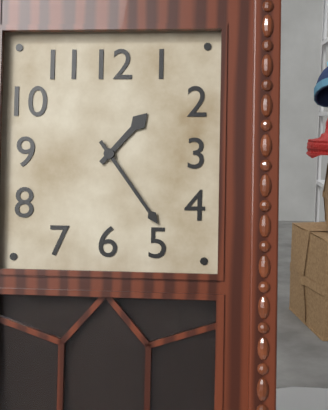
1 h 24 min
